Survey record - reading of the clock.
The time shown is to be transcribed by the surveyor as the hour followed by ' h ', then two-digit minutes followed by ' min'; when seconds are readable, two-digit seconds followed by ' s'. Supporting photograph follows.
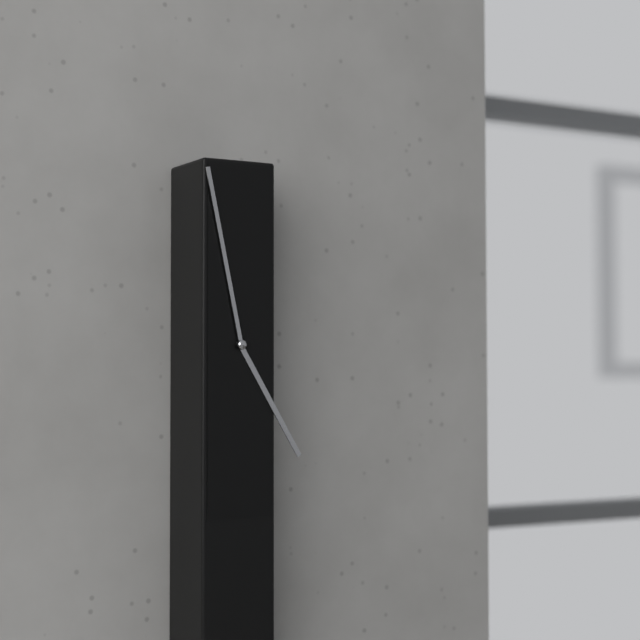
4 h 58 min
